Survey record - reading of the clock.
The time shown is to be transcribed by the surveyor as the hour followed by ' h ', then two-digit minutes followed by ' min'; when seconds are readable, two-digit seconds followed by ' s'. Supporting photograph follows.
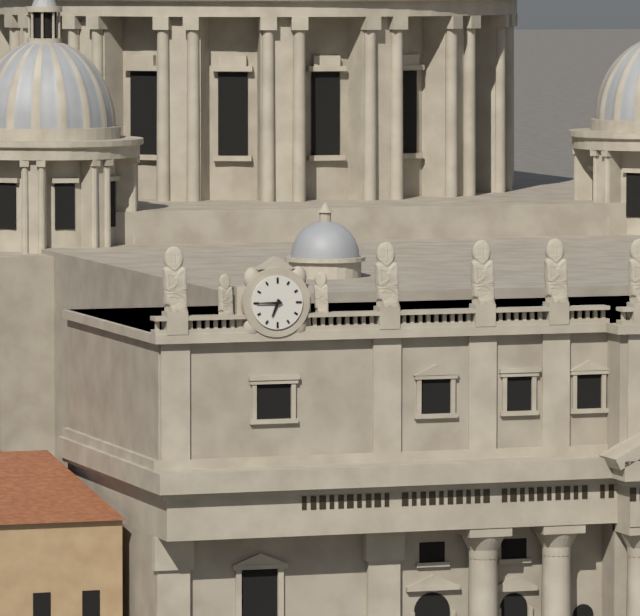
6 h 45 min
